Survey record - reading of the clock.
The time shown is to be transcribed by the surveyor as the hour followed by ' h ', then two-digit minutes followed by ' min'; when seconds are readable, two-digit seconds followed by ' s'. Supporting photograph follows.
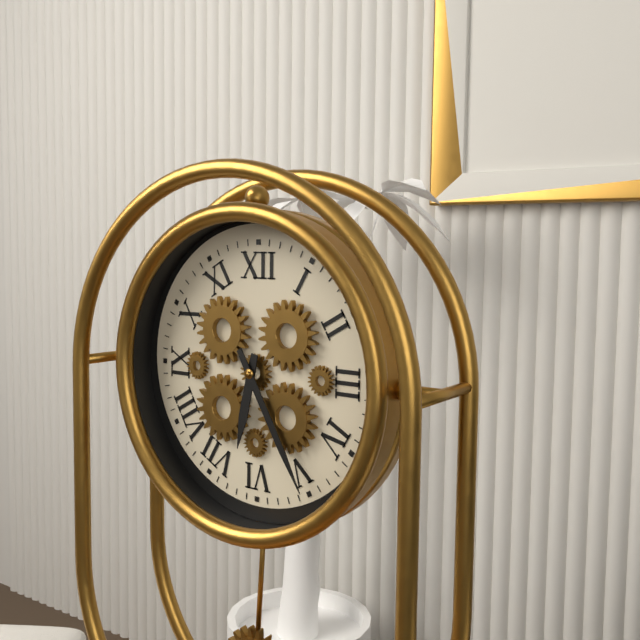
6 h 25 min
